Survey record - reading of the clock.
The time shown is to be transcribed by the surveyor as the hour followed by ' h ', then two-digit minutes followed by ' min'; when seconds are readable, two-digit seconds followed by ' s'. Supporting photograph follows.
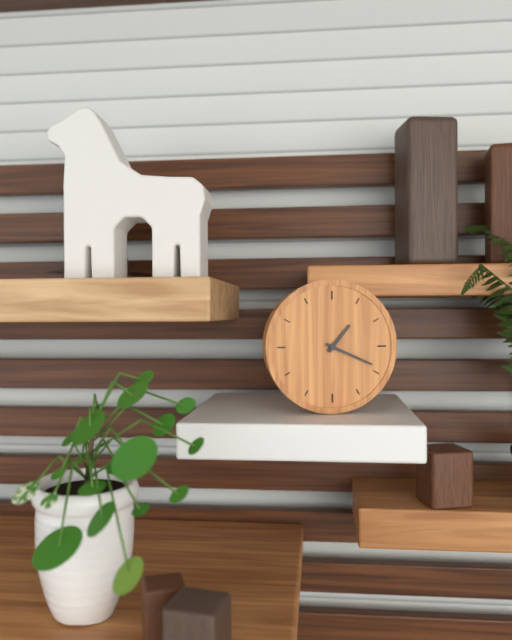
1 h 19 min
